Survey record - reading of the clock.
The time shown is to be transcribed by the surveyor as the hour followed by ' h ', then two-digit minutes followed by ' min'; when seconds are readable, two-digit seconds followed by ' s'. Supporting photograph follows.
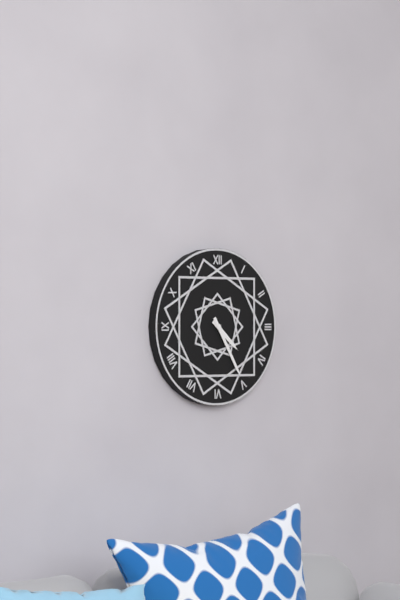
4 h 25 min
